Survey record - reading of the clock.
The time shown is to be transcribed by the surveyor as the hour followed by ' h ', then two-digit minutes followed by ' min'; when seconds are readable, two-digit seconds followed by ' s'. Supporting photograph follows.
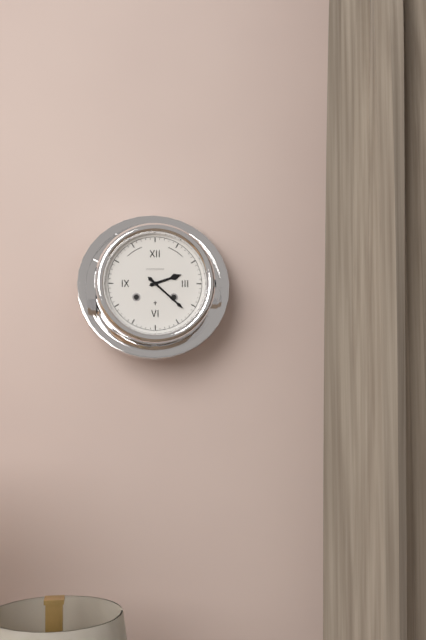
2 h 22 min
